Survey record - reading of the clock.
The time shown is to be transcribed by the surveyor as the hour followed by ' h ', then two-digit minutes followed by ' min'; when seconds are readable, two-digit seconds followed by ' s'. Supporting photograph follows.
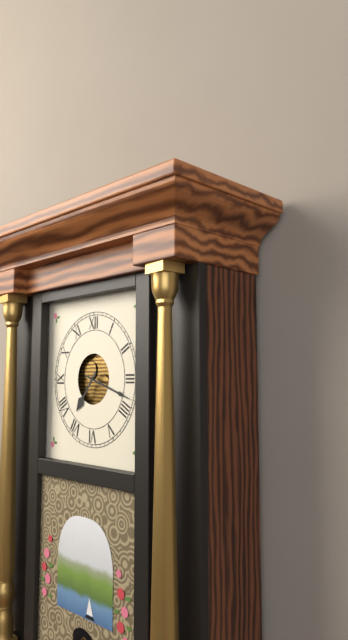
7 h 18 min
